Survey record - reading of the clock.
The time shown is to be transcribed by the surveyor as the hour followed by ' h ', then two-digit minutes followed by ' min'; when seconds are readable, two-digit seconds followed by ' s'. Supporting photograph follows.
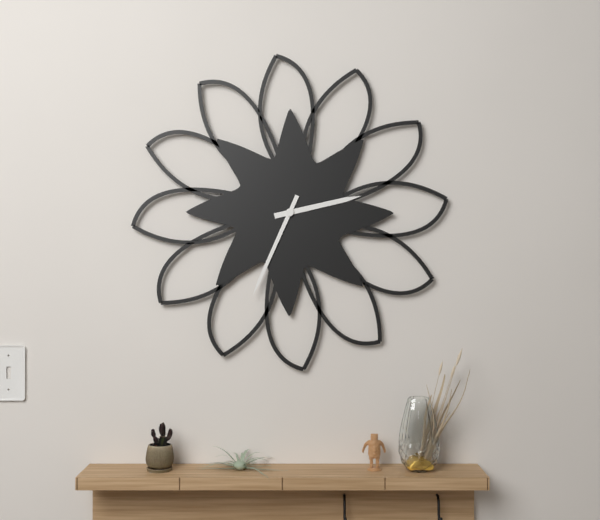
2 h 34 min
